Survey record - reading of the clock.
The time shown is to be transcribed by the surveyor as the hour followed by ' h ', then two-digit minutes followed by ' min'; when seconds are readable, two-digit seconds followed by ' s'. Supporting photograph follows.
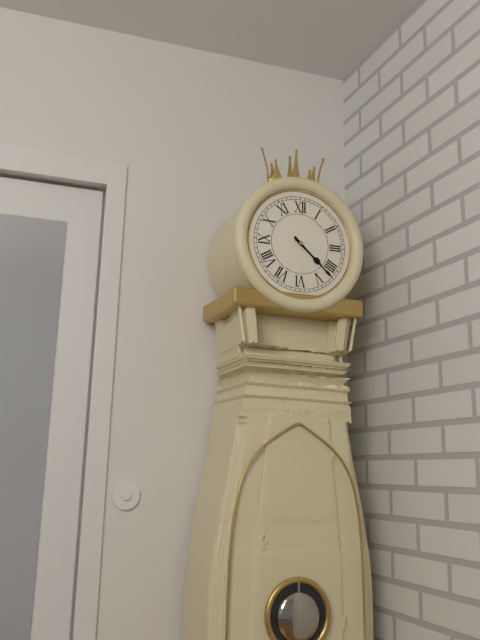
4 h 22 min
